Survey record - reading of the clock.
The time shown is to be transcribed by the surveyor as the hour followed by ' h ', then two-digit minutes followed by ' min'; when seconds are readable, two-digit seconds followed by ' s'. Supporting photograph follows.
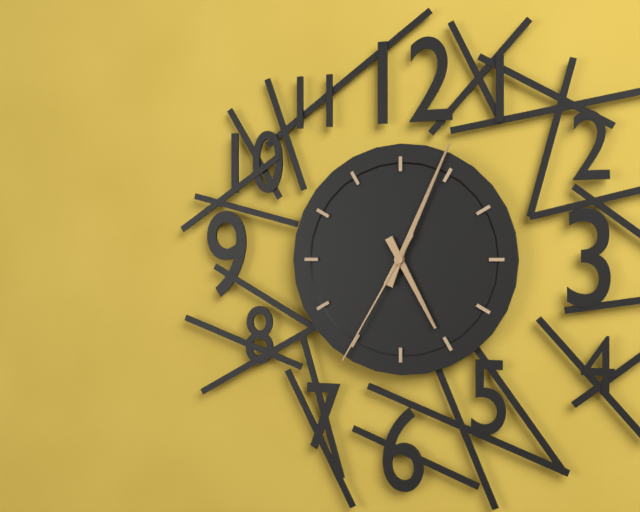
5 h 04 min 35 s
